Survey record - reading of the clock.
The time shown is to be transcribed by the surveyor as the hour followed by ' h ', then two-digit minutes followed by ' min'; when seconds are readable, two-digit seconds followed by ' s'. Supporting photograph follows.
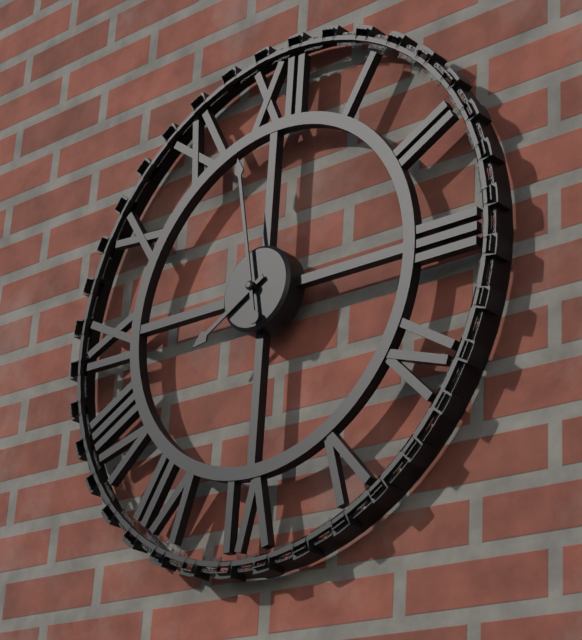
7 h 58 min
